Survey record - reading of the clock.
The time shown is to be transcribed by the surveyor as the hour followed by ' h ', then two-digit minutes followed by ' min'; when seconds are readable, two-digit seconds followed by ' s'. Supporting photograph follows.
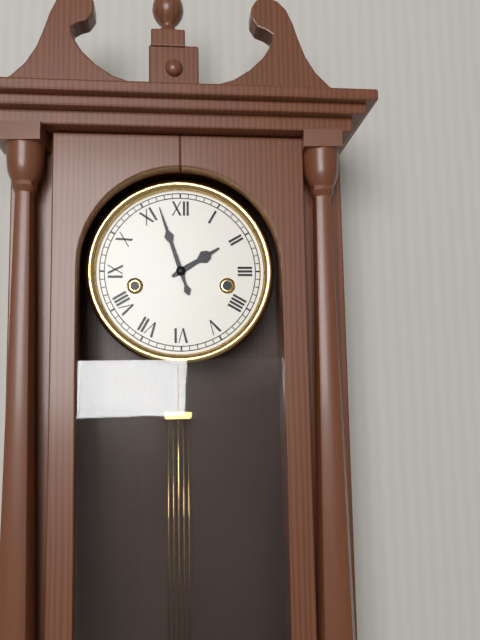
1 h 57 min
